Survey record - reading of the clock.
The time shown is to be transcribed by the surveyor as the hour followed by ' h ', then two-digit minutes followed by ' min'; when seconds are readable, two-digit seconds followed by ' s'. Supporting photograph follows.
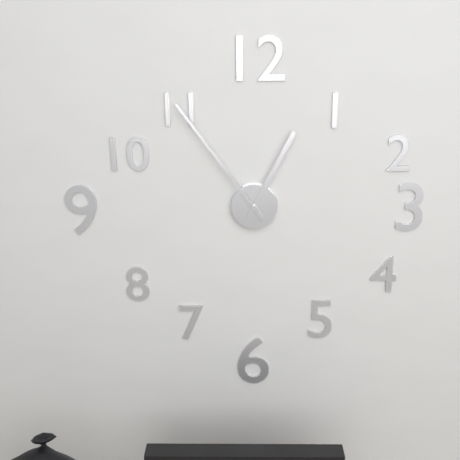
12 h 54 min
